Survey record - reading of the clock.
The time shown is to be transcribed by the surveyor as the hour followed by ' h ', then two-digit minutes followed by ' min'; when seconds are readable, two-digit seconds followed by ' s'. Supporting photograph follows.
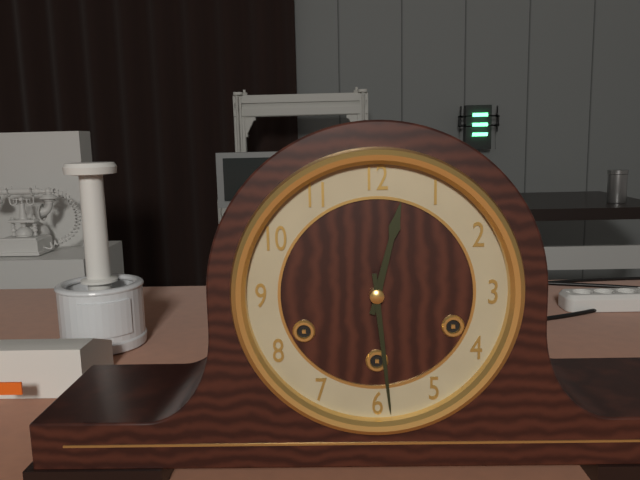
12 h 29 min
